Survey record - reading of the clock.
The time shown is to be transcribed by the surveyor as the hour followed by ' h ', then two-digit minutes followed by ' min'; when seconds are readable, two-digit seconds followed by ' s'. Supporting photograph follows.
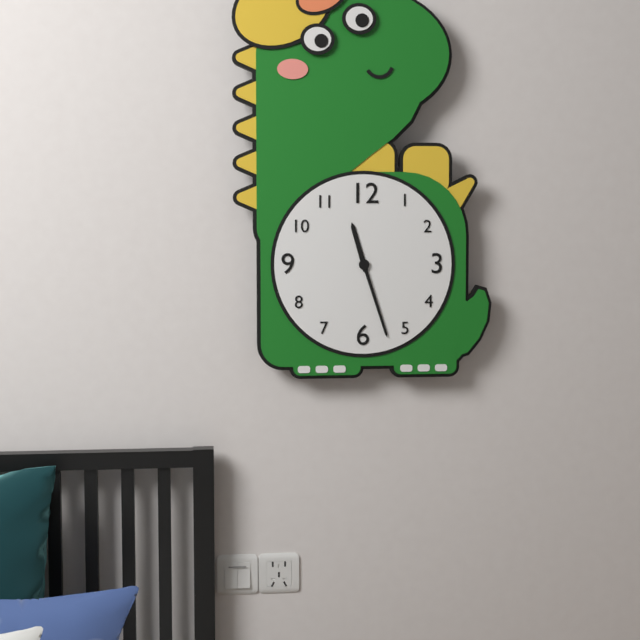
11 h 27 min
